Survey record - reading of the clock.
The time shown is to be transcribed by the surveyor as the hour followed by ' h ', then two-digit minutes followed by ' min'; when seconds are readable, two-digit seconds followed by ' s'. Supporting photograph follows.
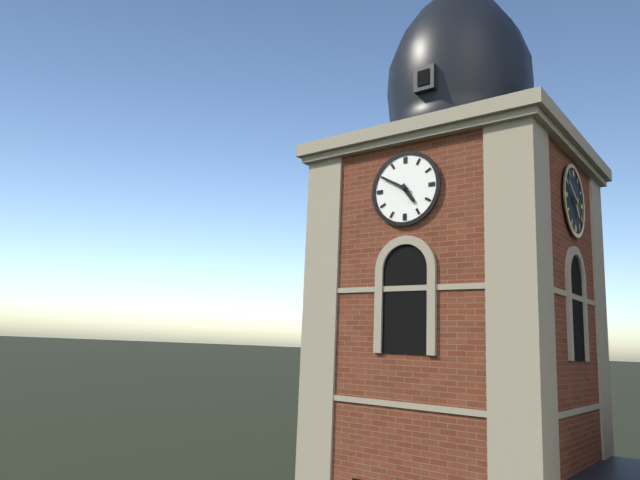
4 h 50 min
